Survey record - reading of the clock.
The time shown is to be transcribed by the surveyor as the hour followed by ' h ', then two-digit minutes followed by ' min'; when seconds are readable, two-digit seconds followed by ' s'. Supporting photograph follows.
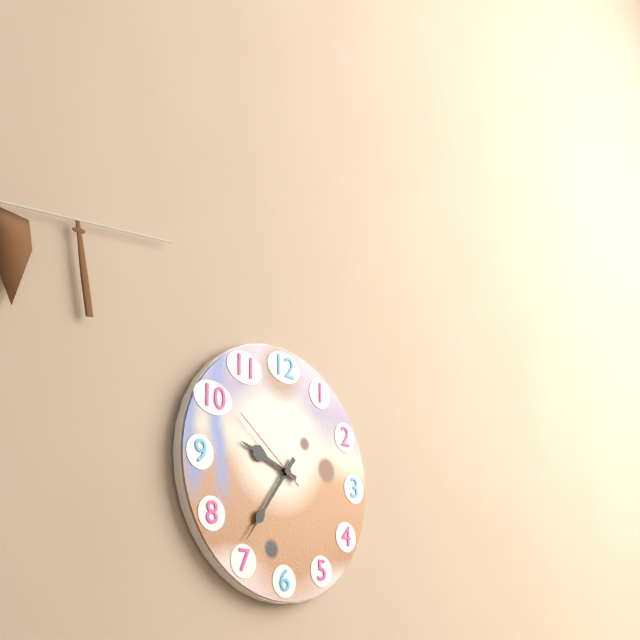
9 h 36 min 51 s
